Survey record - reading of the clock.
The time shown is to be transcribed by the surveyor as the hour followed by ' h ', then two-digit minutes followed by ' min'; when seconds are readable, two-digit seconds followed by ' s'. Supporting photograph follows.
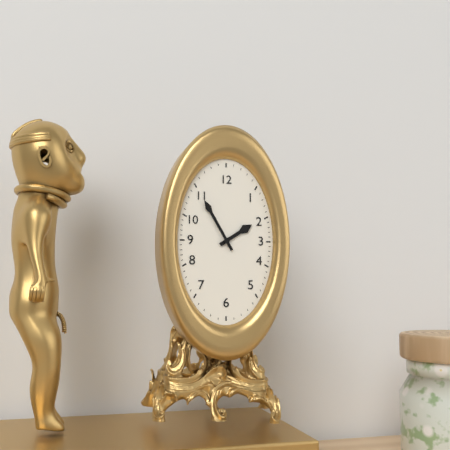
1 h 55 min
